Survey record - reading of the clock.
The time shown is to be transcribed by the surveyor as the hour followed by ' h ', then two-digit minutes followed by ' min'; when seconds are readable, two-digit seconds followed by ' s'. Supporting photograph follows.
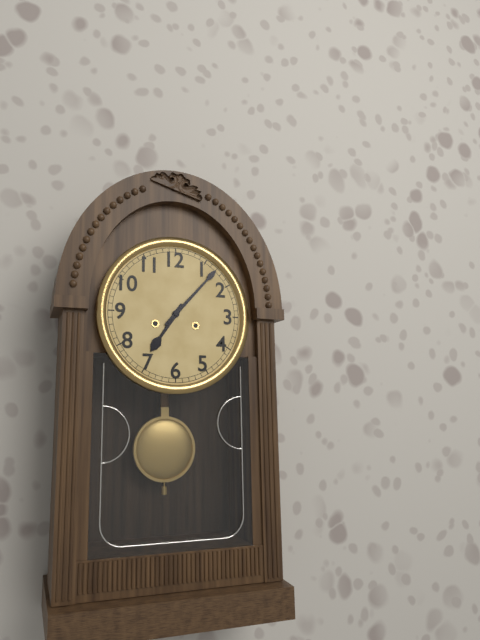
7 h 07 min
